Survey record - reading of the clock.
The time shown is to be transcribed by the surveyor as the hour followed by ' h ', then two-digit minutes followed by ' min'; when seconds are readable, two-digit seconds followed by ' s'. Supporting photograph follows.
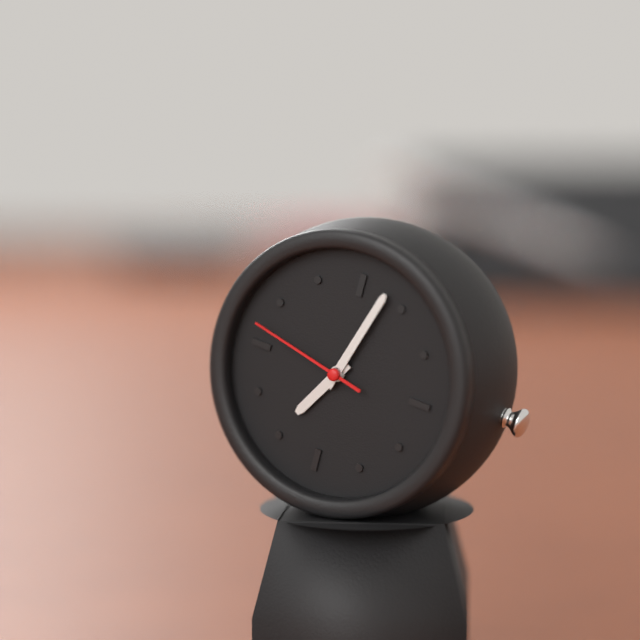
7 h 03 min 47 s
